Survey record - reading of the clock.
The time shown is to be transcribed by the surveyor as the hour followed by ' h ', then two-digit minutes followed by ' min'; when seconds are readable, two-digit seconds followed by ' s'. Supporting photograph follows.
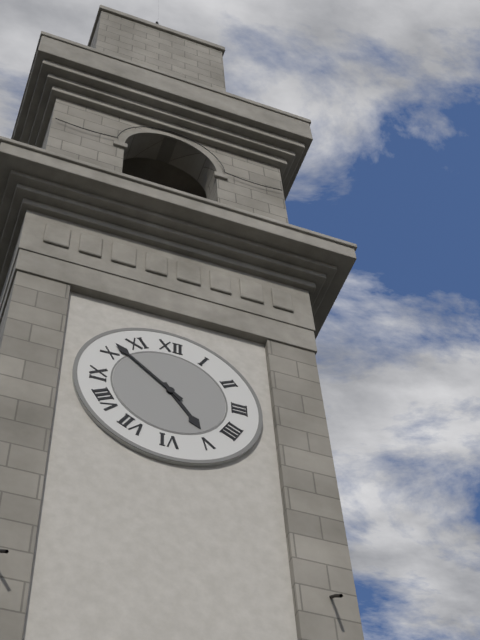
4 h 52 min
